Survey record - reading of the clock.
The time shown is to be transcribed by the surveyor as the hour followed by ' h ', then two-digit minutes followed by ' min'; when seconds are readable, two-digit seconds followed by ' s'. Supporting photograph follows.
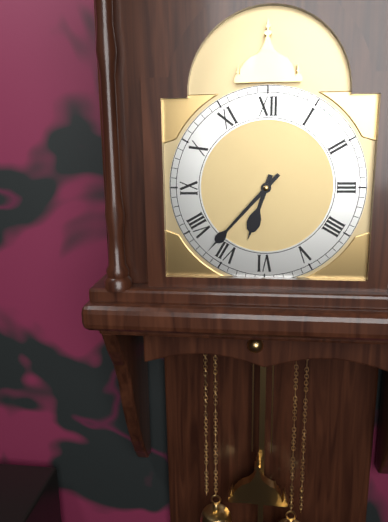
6 h 37 min
